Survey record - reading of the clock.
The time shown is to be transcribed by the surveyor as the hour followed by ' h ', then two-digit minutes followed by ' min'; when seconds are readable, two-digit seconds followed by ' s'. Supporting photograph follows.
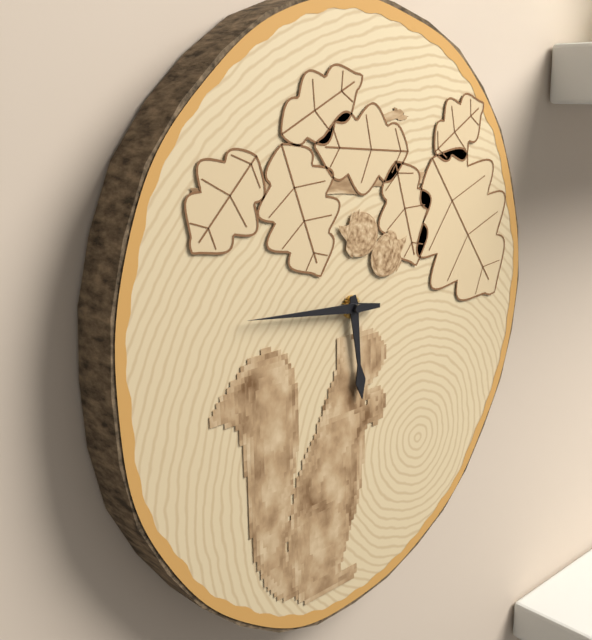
5 h 46 min
